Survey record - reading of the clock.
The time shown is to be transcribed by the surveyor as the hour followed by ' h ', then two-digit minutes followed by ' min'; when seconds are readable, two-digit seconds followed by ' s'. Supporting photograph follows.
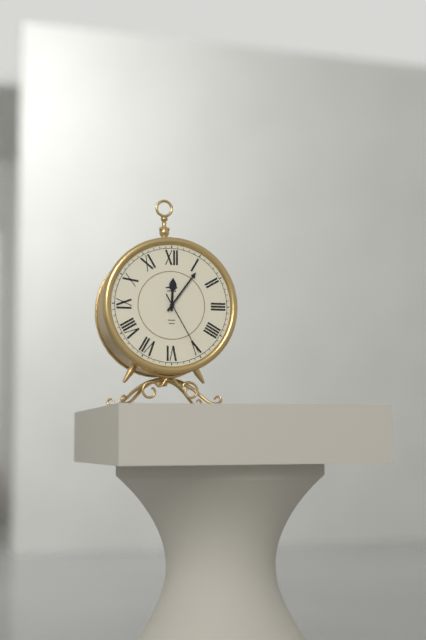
12 h 06 min 25 s
